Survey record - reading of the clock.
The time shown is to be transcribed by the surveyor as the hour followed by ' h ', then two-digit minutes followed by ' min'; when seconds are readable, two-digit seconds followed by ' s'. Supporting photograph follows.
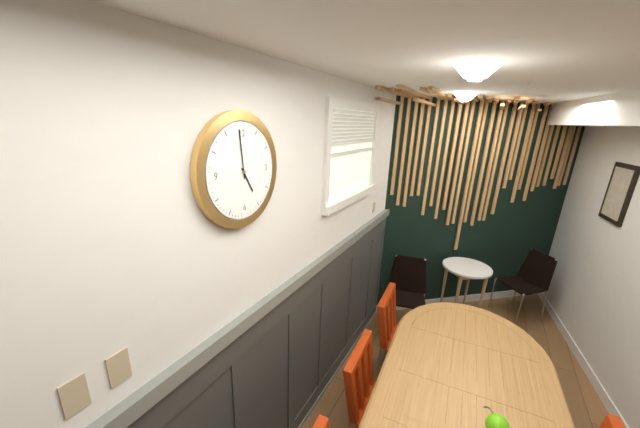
4 h 59 min
